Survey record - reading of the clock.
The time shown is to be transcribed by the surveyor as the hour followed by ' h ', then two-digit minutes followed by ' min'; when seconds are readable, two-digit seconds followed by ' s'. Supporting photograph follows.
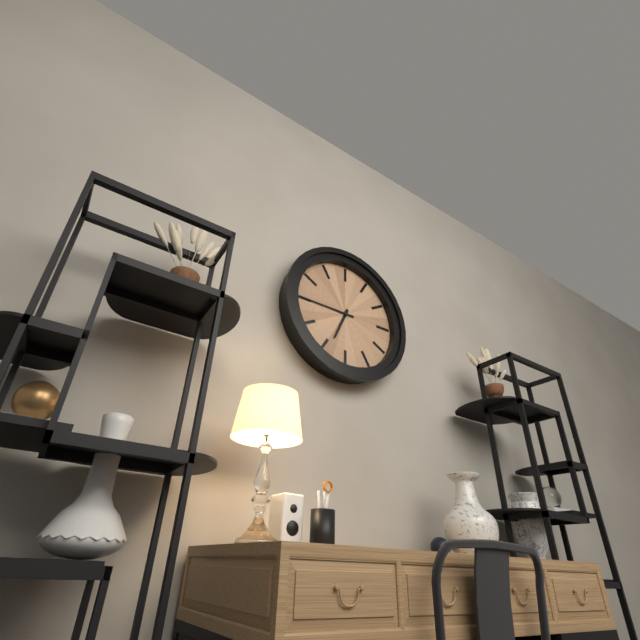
6 h 45 min
